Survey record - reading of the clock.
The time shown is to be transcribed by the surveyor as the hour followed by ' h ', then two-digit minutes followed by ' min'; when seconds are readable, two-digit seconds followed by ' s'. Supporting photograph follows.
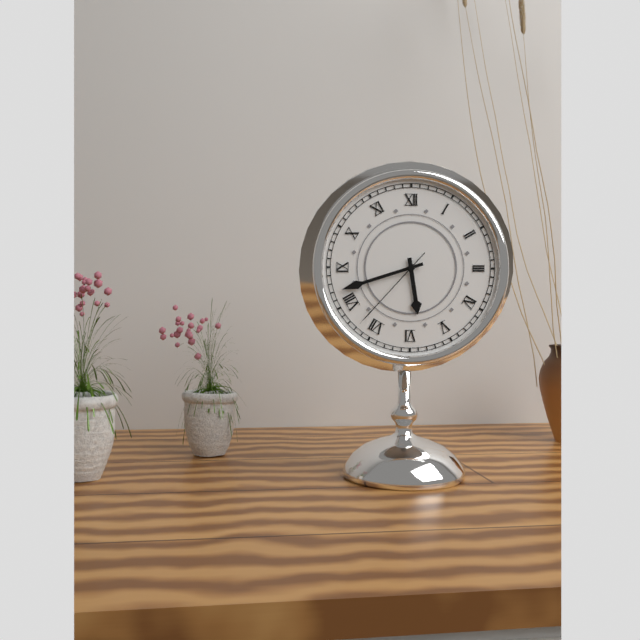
5 h 42 min 37 s
